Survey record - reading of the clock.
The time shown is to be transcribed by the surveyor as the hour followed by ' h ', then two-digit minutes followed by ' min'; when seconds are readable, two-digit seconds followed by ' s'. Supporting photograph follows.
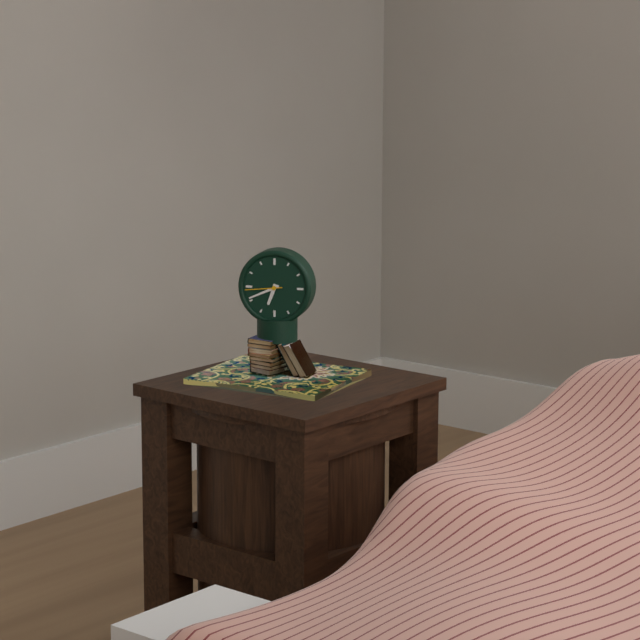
6 h 41 min
